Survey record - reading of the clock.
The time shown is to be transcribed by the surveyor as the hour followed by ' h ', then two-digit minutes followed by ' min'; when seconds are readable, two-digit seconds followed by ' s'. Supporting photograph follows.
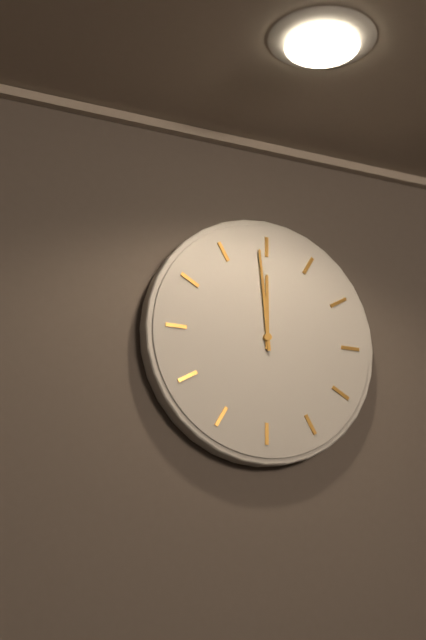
11 h 59 min
